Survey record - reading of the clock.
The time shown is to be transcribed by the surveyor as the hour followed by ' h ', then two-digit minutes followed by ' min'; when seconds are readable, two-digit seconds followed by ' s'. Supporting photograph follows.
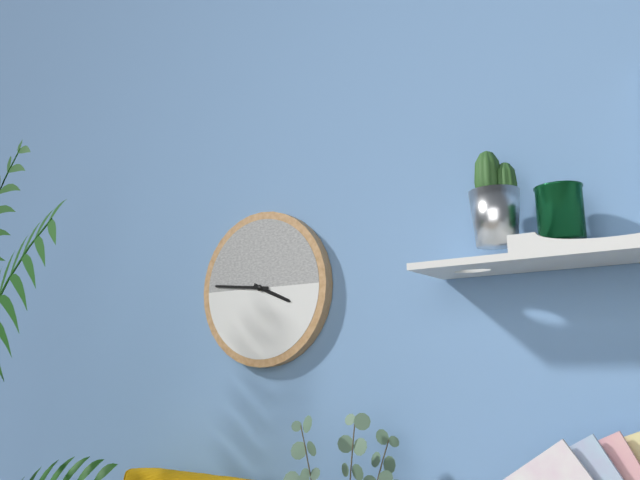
3 h 46 min
